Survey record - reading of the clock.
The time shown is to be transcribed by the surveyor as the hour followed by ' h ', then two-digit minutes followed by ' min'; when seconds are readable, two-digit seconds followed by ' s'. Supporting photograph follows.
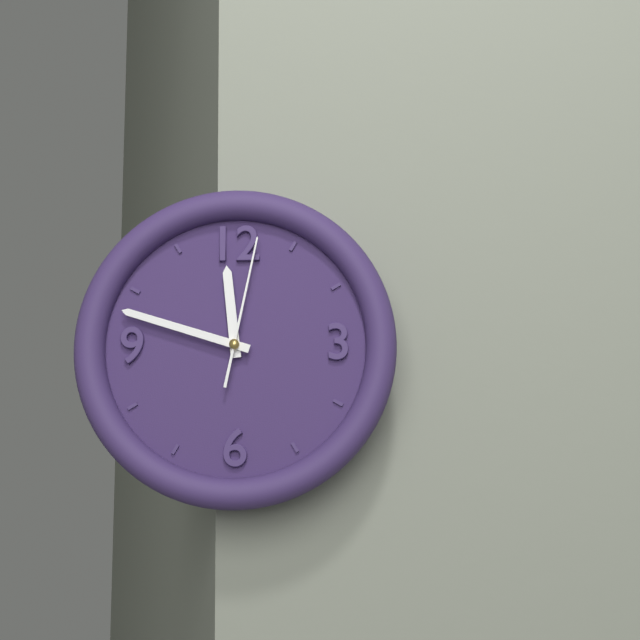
11 h 48 min 02 s
